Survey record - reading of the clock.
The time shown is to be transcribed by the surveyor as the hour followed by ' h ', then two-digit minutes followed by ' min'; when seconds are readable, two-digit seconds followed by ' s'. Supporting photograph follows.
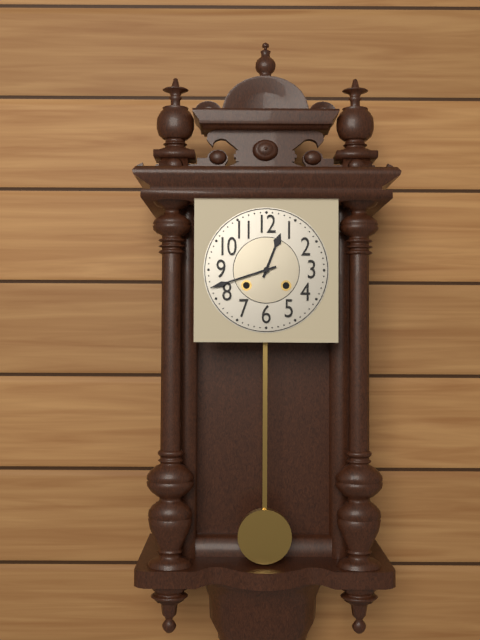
12 h 42 min
